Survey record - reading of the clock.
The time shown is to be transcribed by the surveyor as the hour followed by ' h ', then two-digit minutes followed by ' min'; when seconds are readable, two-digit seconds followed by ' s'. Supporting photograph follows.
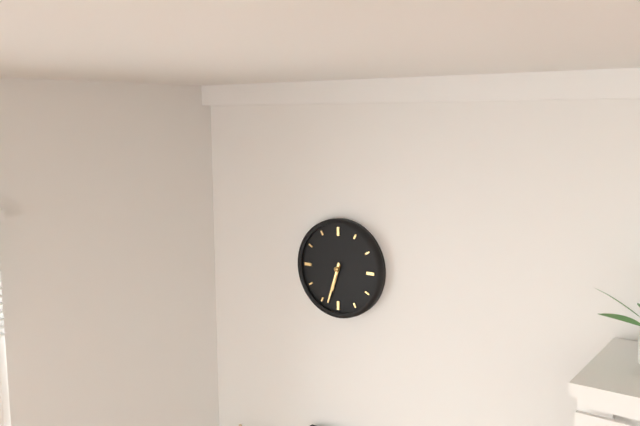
6 h 33 min
